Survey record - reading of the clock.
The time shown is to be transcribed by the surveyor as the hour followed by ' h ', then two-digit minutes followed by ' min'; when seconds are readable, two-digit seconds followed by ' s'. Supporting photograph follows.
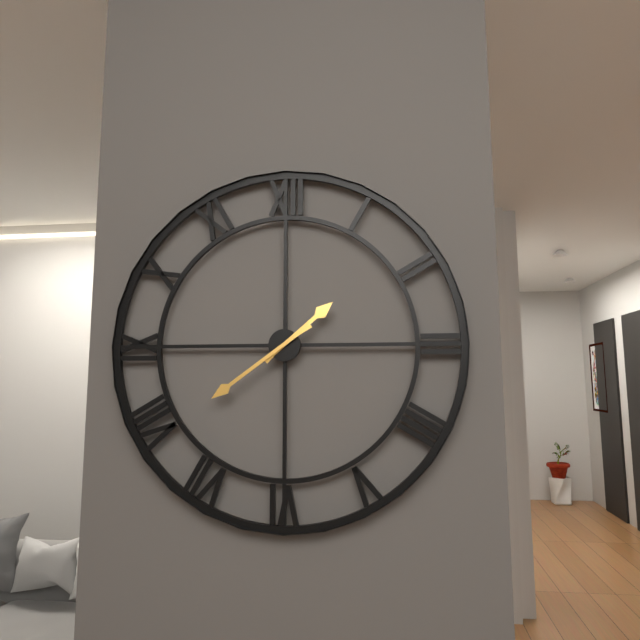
1 h 39 min
